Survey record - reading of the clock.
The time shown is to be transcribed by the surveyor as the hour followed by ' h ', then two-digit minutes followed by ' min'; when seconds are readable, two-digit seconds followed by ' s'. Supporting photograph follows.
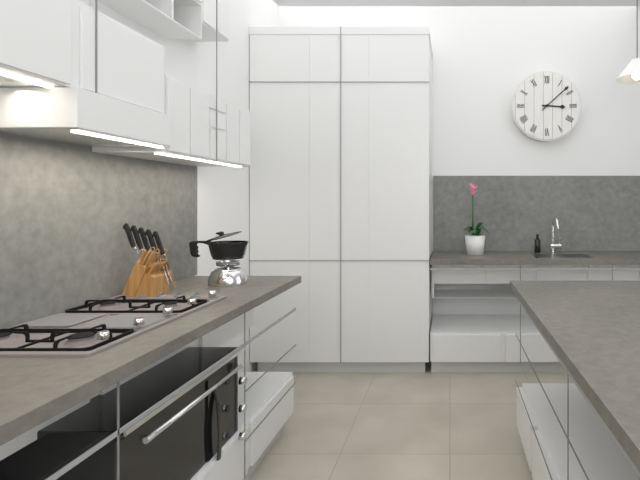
3 h 08 min
